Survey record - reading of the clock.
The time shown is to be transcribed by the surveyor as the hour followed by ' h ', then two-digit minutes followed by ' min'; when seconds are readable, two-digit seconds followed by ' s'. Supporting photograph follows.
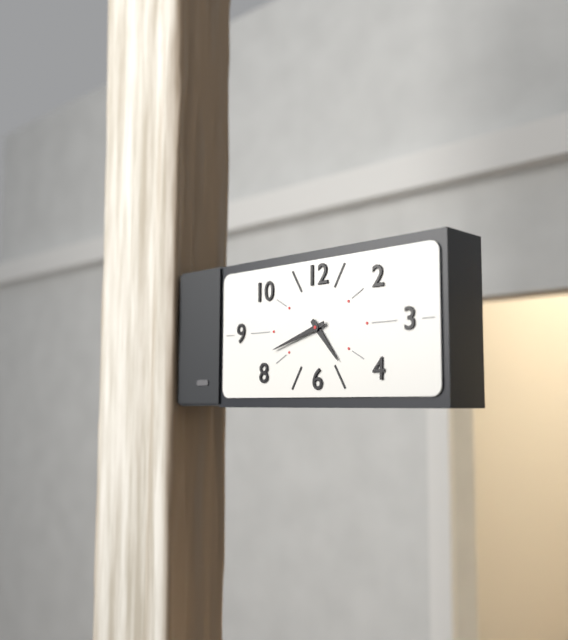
4 h 42 min
